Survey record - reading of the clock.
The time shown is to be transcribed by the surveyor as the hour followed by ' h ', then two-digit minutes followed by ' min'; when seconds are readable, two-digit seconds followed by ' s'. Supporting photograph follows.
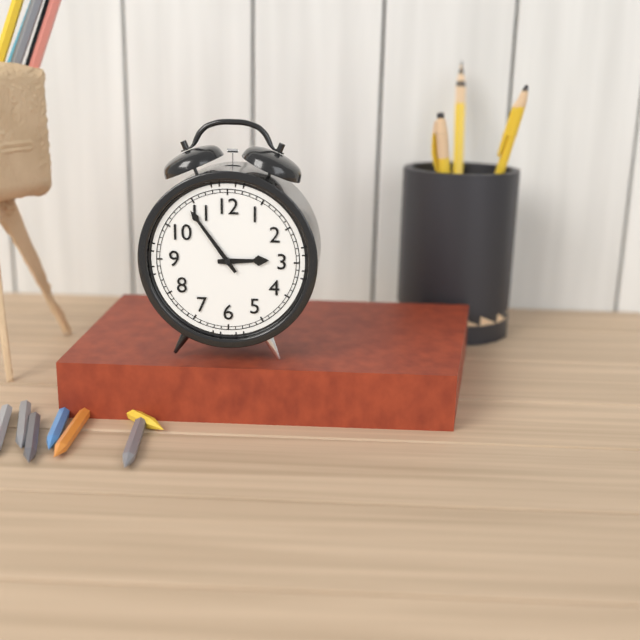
2 h 54 min
